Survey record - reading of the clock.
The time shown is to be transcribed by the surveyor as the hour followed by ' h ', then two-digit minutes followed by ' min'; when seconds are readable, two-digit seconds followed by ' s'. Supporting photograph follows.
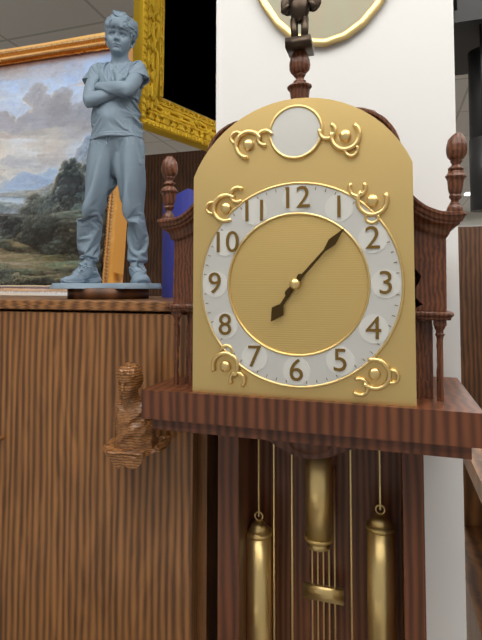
7 h 07 min
